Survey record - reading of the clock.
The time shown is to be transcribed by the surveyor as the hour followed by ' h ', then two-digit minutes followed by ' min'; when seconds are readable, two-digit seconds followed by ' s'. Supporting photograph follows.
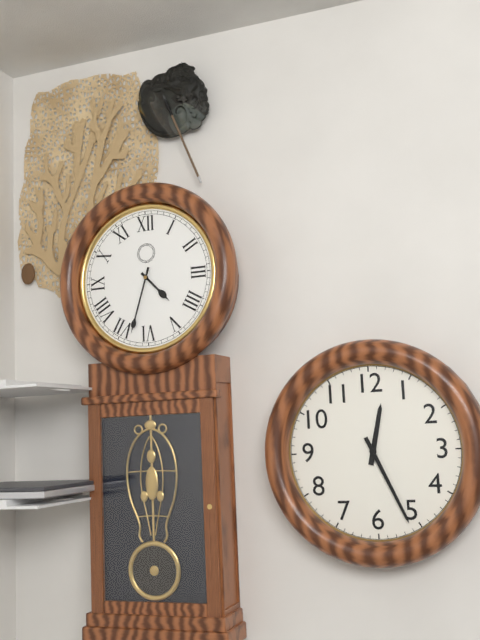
4 h 33 min
